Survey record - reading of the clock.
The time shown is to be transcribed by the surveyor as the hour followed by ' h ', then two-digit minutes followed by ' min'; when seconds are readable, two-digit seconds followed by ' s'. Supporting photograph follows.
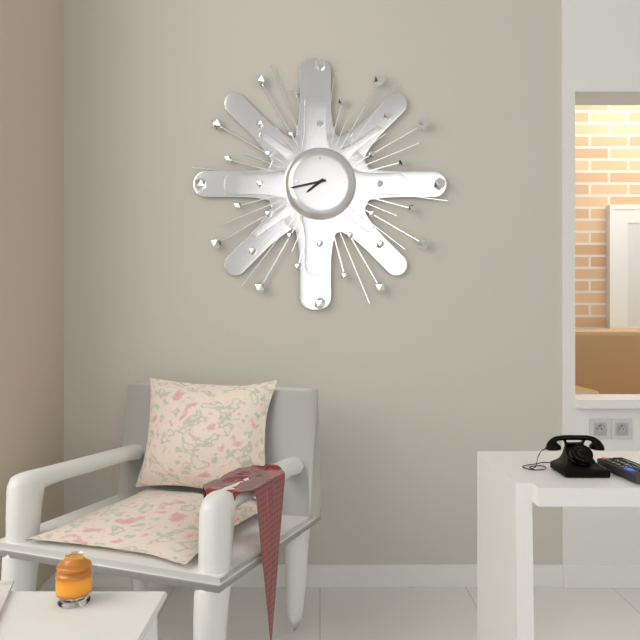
7 h 43 min
